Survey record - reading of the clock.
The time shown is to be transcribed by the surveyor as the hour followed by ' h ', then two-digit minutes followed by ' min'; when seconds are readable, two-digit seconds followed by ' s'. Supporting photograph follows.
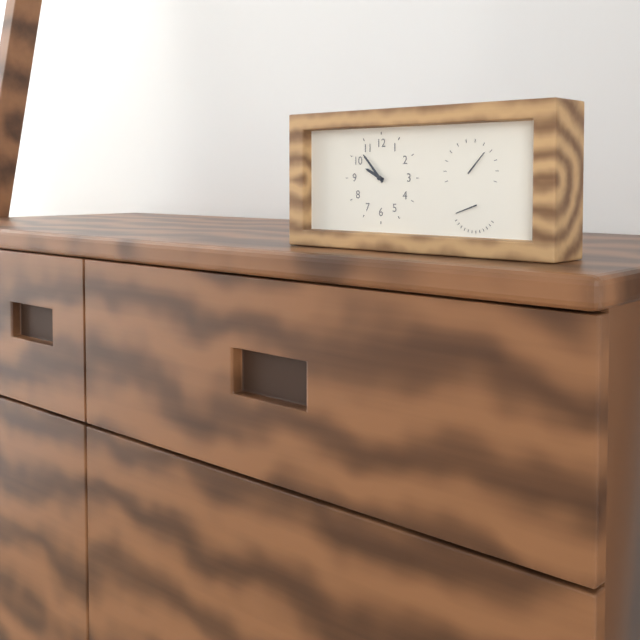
9 h 53 min
